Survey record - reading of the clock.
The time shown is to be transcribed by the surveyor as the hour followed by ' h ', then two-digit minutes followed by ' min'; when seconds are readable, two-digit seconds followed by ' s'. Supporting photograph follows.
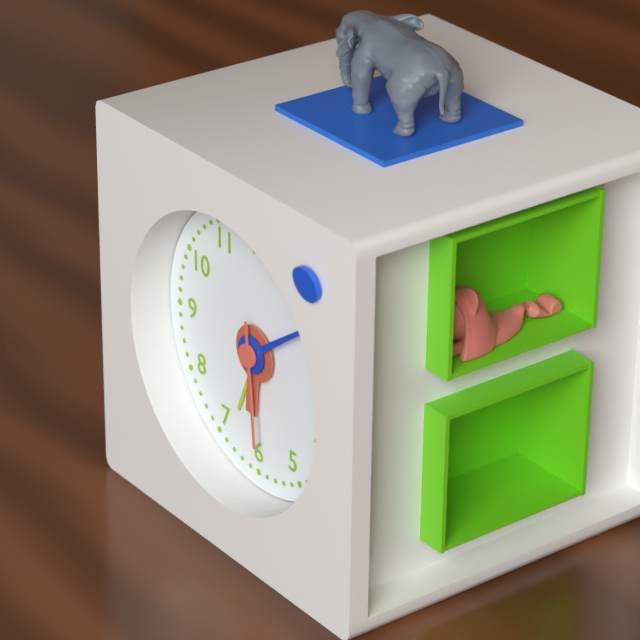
6 h 09 min 29 s
